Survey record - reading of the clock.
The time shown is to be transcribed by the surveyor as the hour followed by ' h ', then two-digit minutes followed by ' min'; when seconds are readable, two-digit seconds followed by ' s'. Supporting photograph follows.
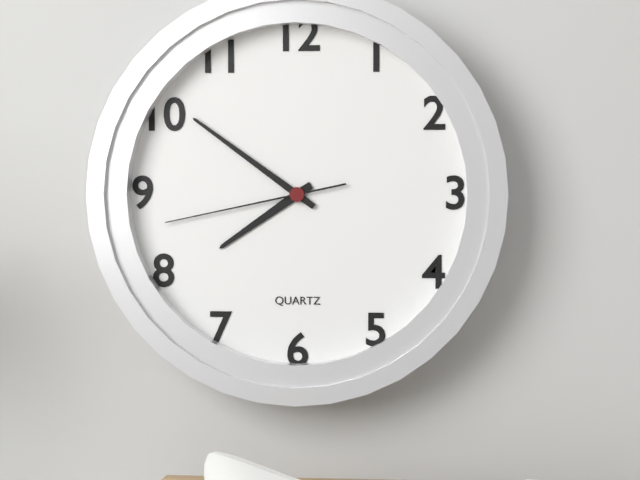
7 h 51 min 43 s
